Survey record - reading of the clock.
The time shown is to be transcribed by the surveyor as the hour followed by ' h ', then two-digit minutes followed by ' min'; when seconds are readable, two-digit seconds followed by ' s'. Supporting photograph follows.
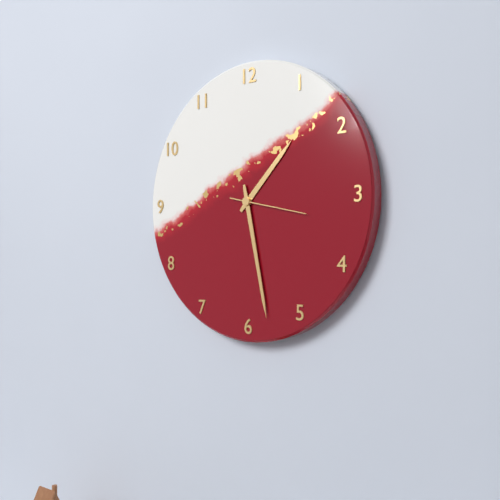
1 h 28 min 17 s
